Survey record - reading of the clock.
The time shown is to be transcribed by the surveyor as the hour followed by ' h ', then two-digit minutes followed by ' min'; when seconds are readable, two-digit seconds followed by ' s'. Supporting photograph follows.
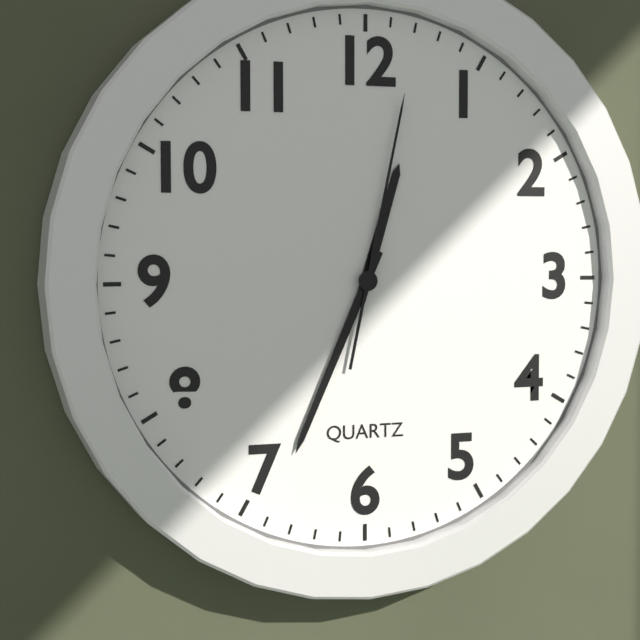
12 h 34 min 02 s
